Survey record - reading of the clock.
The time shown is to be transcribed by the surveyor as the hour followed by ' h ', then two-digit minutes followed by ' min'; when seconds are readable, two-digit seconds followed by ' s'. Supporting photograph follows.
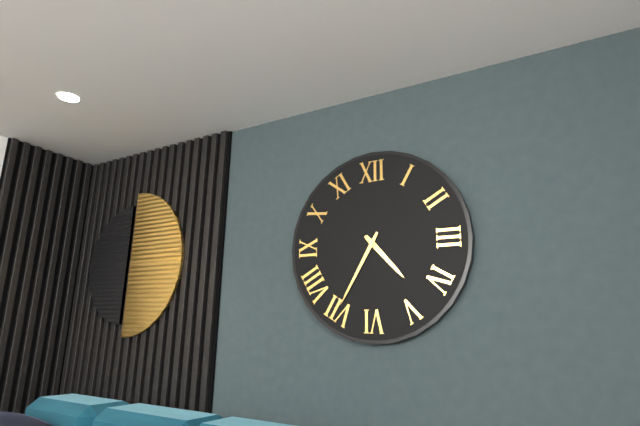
4 h 35 min
